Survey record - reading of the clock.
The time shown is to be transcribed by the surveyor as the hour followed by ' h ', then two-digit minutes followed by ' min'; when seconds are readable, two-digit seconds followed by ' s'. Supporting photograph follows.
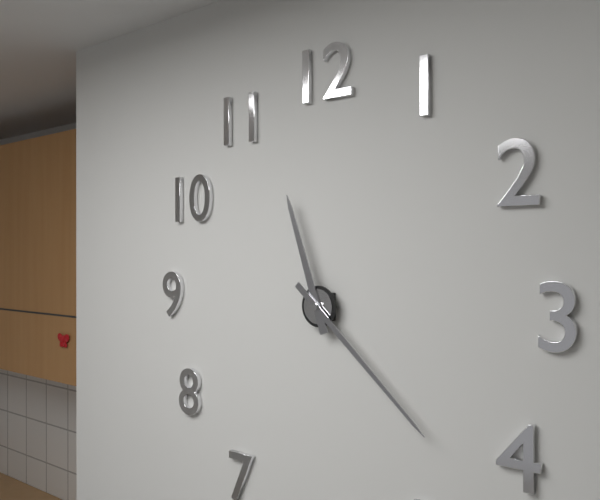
11 h 22 min
